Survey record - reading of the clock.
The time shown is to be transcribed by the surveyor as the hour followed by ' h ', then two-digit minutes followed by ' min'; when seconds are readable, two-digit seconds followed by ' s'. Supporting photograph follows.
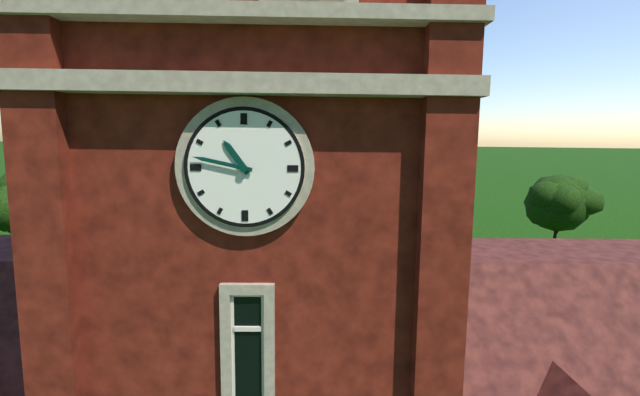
10 h 47 min
